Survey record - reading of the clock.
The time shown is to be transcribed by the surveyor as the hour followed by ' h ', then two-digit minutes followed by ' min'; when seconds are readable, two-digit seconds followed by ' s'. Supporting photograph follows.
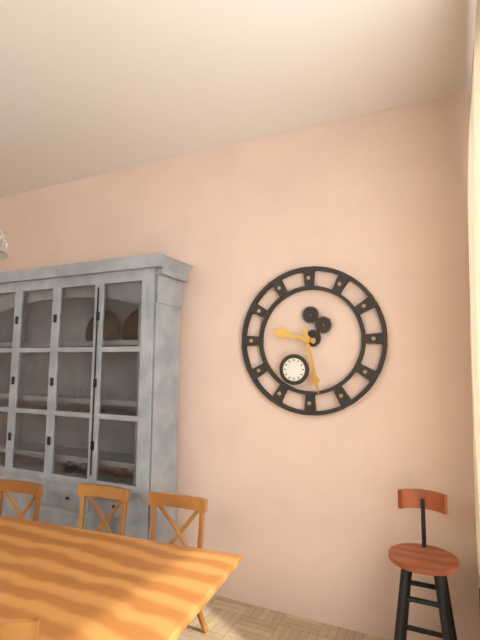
9 h 28 min
